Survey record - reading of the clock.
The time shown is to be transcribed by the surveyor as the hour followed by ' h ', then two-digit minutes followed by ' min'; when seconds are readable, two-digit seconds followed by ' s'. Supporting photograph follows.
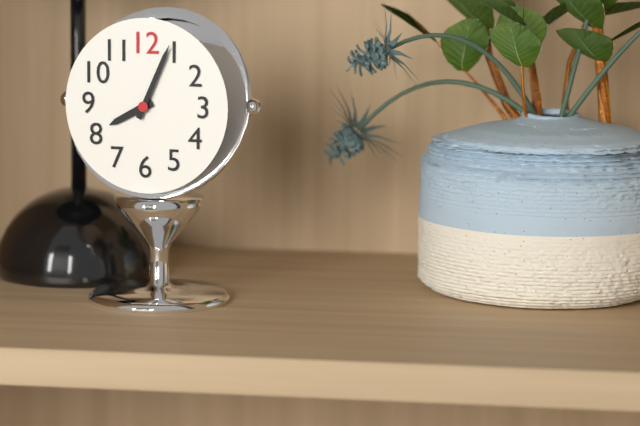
8 h 04 min
